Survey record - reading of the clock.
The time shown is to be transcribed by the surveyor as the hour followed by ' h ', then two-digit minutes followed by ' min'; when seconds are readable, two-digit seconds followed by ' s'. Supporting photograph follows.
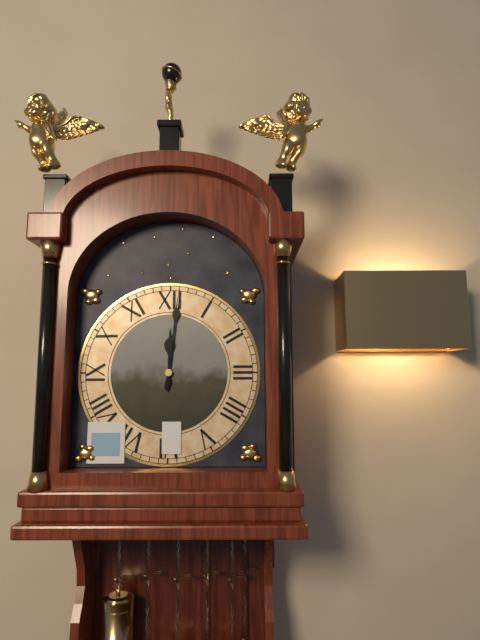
12 h 01 min
